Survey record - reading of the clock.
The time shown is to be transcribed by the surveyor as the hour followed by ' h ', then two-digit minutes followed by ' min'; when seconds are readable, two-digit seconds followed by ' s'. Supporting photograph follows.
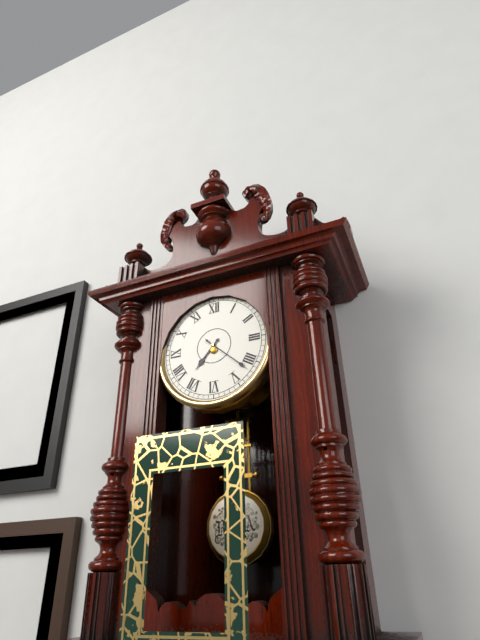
7 h 22 min
